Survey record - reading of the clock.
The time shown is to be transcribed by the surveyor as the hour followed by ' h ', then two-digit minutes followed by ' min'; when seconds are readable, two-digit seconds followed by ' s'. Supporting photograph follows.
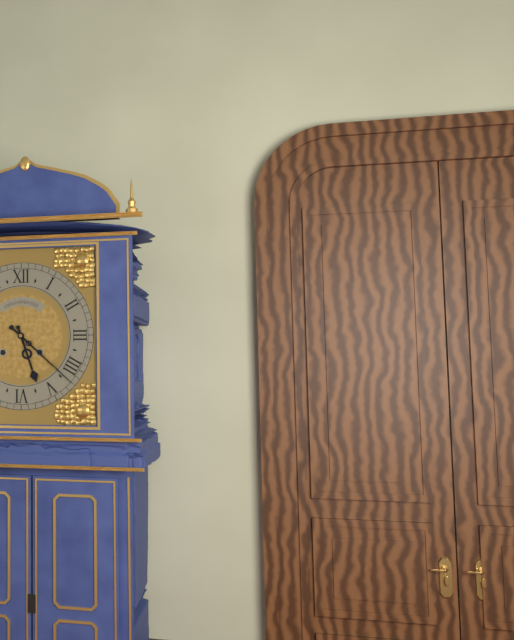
5 h 22 min
